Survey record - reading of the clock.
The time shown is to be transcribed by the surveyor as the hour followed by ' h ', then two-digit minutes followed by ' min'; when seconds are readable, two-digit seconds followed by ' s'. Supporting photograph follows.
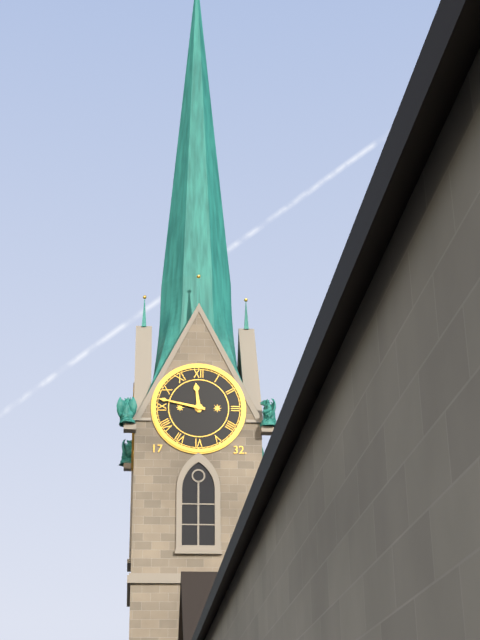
11 h 47 min
